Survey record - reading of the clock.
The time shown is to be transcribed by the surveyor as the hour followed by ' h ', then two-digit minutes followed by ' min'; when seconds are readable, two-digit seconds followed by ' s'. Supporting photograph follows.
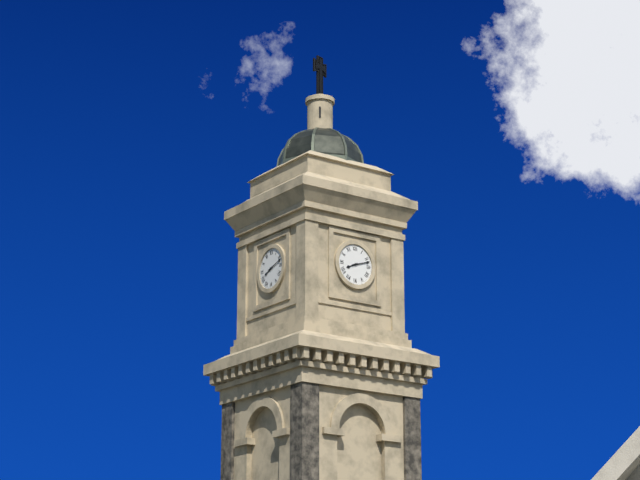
8 h 12 min
